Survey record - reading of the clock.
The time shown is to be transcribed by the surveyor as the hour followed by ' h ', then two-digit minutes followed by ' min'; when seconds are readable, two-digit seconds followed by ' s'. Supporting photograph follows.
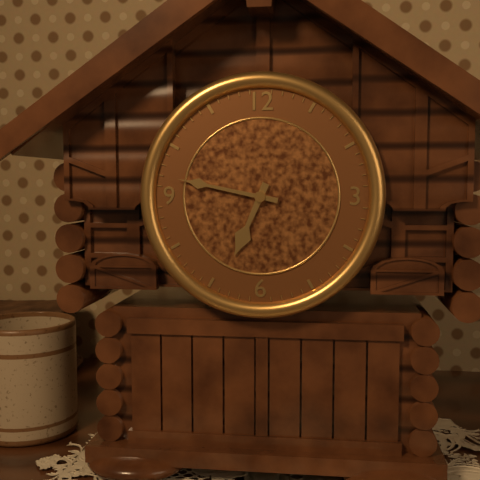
6 h 47 min
